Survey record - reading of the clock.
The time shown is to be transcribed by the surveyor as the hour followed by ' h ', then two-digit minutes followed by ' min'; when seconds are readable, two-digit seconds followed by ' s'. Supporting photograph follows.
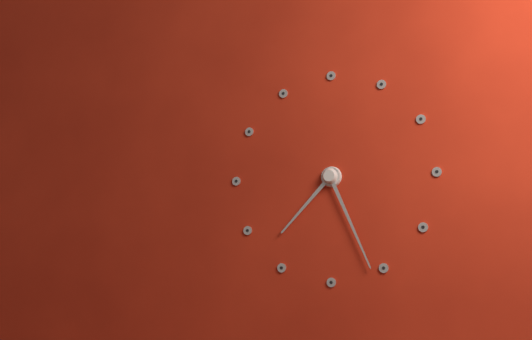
7 h 26 min
